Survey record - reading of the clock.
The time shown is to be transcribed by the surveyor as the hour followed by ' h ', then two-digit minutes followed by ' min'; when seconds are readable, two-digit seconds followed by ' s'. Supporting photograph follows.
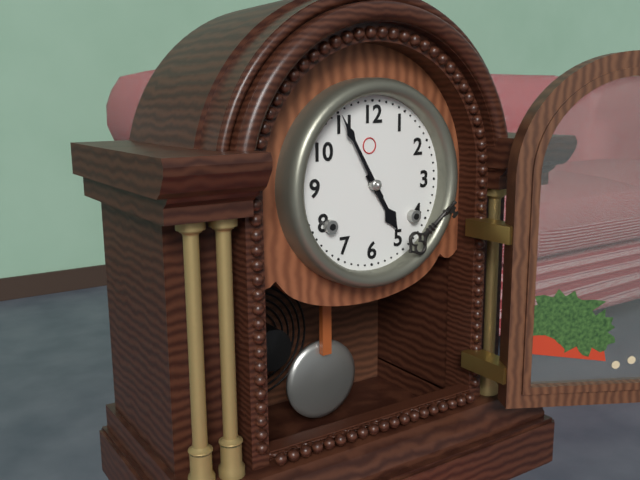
4 h 55 min
